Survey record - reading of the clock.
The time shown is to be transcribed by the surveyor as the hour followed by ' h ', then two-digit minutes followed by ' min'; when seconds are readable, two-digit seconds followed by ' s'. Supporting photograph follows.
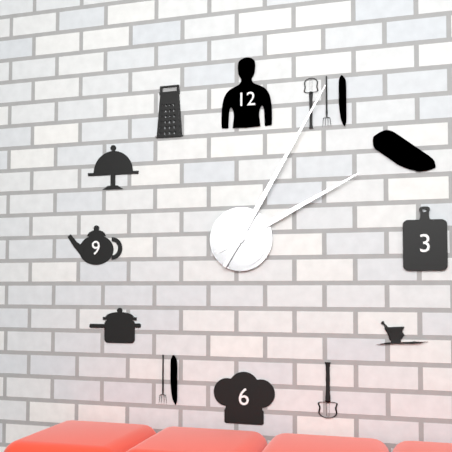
2 h 05 min
